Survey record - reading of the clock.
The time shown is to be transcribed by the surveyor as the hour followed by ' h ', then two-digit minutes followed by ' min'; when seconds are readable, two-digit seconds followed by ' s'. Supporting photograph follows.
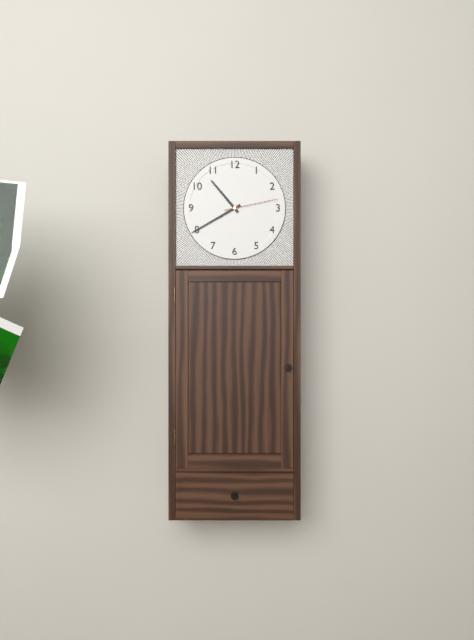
10 h 40 min 13 s
